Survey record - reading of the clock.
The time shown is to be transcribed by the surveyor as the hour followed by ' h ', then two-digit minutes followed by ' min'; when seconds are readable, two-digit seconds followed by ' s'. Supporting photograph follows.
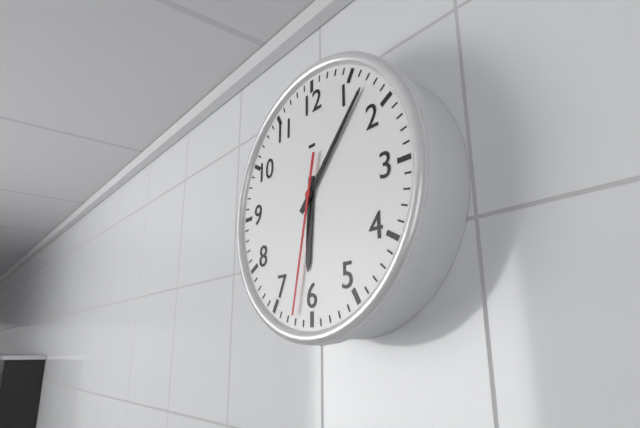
6 h 07 min 32 s
